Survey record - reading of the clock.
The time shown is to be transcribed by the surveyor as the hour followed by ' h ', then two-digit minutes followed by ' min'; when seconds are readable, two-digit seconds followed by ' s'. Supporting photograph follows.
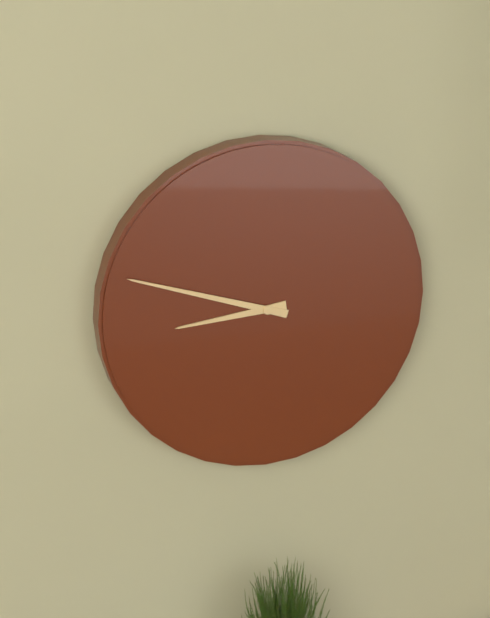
8 h 48 min
